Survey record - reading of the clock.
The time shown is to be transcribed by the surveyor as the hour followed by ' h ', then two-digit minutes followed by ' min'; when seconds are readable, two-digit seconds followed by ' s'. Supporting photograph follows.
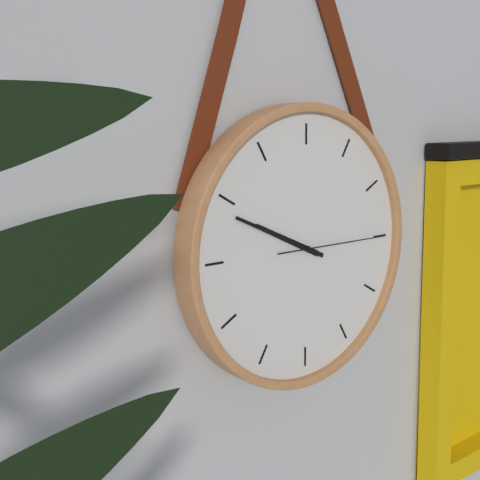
9 h 49 min 15 s
